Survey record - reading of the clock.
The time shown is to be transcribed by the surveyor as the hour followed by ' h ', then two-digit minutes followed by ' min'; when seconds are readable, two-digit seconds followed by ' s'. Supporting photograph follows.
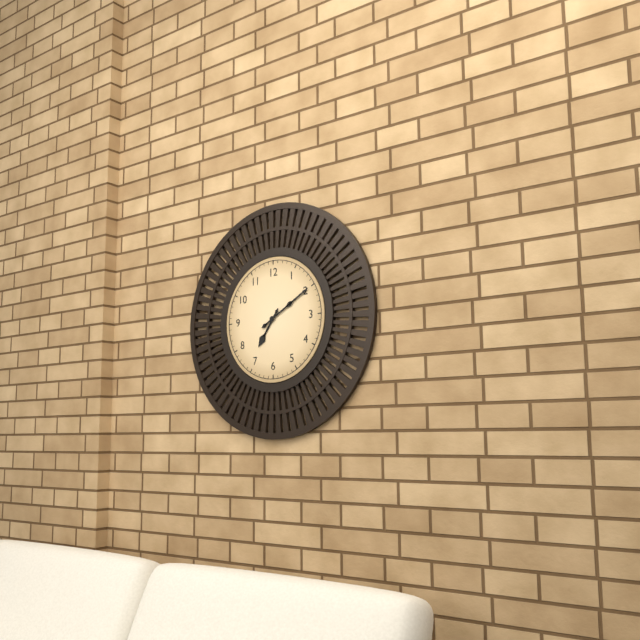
7 h 10 min
